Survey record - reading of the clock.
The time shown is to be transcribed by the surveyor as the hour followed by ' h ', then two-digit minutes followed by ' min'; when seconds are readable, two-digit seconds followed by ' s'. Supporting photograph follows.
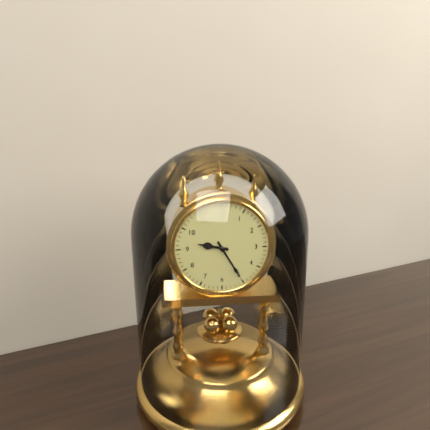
9 h 25 min
